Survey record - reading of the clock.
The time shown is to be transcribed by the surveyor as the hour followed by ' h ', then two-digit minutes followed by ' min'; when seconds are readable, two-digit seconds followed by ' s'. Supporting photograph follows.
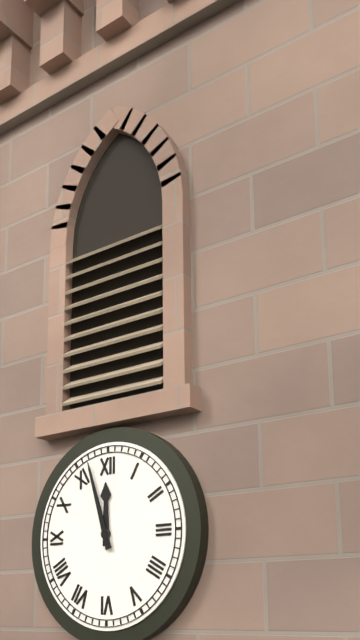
11 h 57 min
